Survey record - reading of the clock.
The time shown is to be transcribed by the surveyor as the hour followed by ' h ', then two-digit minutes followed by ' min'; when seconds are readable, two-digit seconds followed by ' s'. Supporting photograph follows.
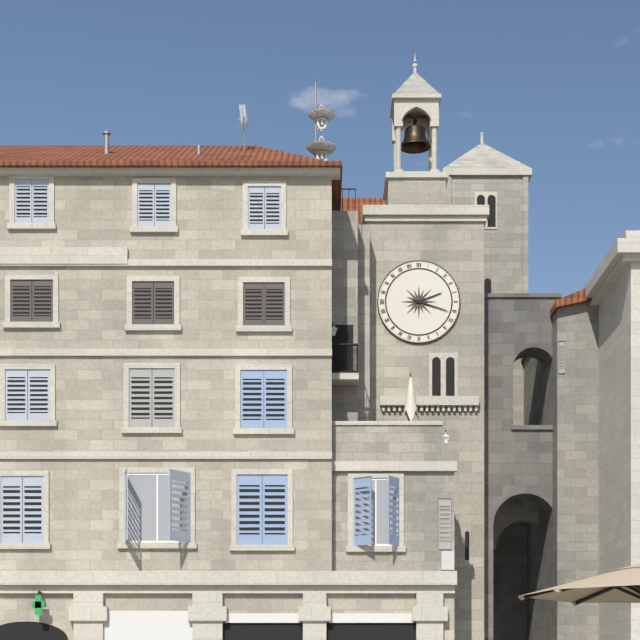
2 h 18 min
